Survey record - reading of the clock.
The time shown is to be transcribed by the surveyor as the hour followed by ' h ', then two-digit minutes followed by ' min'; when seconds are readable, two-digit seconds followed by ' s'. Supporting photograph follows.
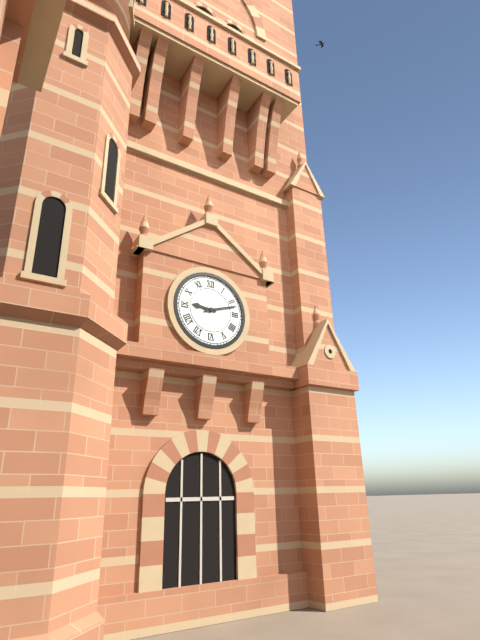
9 h 12 min
